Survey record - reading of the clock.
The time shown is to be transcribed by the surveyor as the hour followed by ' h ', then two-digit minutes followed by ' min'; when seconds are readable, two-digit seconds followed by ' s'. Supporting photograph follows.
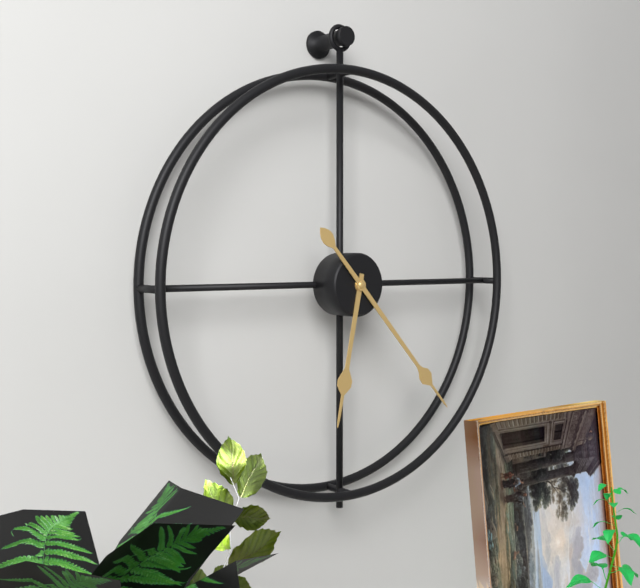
6 h 23 min
